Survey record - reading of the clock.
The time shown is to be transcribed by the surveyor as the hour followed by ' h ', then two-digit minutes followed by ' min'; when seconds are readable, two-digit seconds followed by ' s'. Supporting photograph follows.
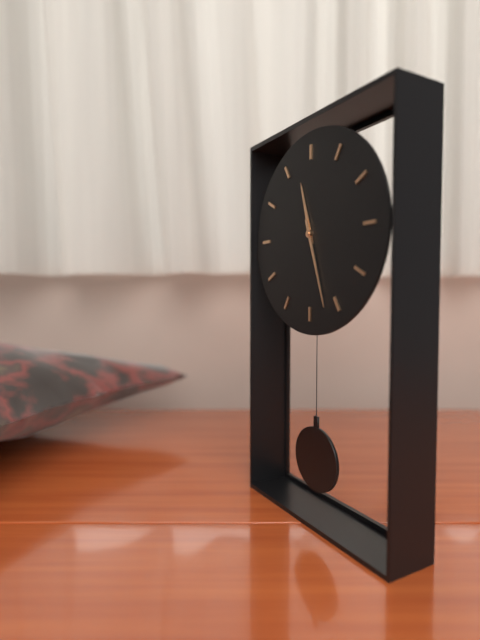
11 h 27 min
